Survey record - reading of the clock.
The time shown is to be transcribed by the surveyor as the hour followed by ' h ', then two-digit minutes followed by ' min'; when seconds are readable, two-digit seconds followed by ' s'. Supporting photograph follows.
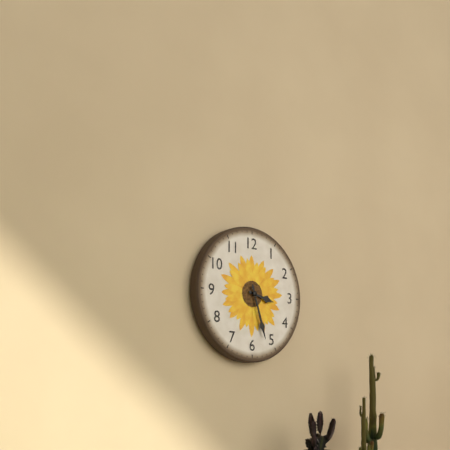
3 h 27 min
